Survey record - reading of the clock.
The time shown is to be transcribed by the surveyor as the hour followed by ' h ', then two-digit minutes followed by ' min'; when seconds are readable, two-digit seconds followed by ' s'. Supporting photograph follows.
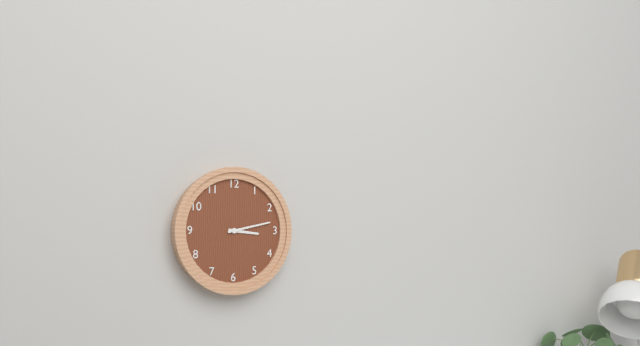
3 h 13 min
